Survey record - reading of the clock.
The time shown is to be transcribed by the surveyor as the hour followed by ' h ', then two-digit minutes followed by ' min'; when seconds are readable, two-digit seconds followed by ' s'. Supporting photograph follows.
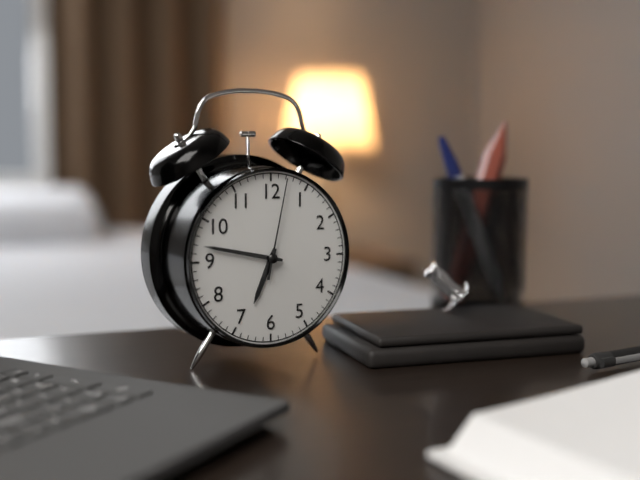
6 h 47 min 02 s
